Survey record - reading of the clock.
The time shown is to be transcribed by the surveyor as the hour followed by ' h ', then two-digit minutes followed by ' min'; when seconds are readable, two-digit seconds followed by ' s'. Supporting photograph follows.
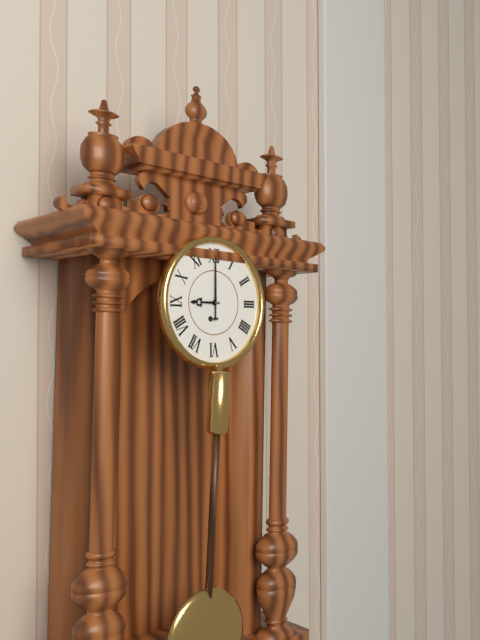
9 h 00 min
